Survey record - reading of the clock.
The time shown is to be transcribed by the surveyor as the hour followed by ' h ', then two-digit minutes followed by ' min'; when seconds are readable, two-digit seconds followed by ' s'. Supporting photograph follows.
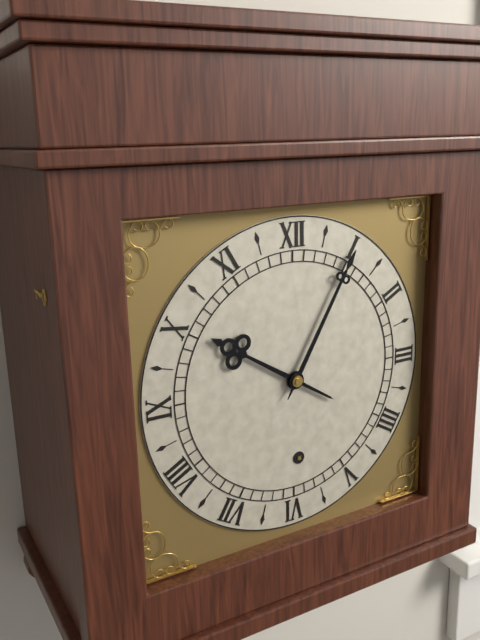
10 h 05 min
